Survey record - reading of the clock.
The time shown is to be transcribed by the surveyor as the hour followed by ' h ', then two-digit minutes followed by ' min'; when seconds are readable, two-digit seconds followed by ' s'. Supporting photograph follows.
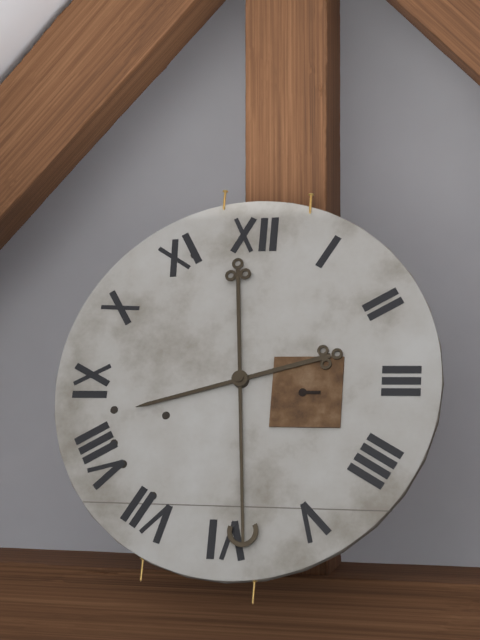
8 h 29 min
